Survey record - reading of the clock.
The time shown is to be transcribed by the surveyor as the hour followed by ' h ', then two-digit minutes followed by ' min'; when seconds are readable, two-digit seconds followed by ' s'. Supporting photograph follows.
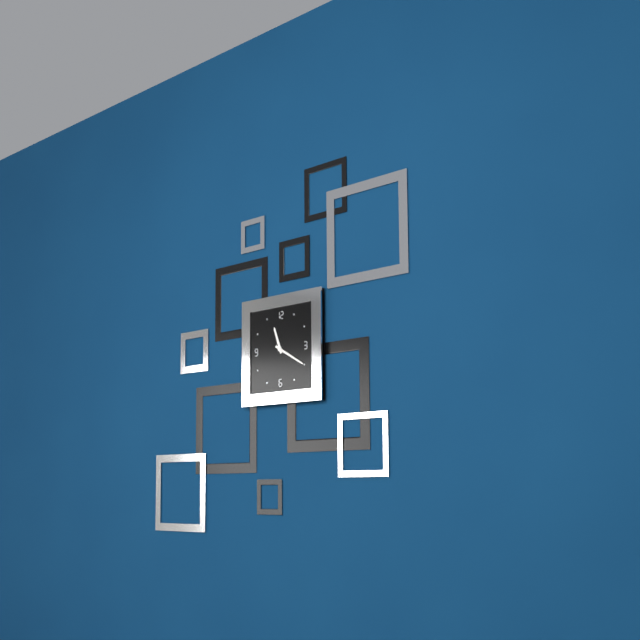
11 h 20 min
